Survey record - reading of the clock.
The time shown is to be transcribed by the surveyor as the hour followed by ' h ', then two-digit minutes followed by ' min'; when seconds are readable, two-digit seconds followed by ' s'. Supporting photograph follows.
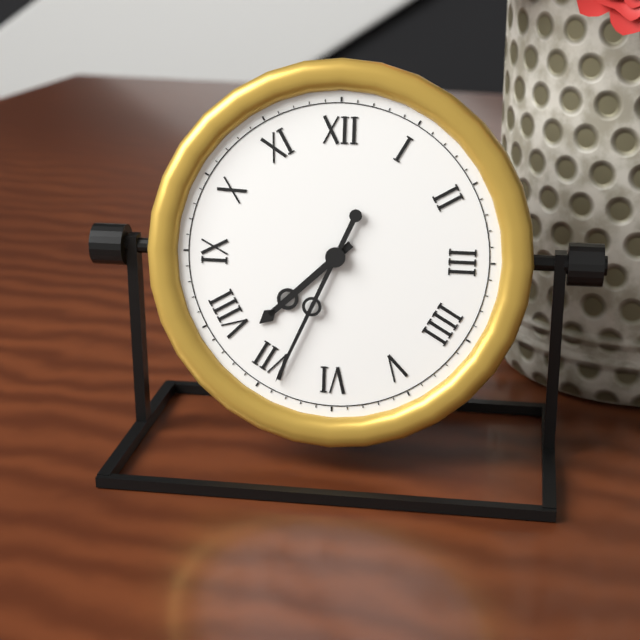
7 h 34 min
